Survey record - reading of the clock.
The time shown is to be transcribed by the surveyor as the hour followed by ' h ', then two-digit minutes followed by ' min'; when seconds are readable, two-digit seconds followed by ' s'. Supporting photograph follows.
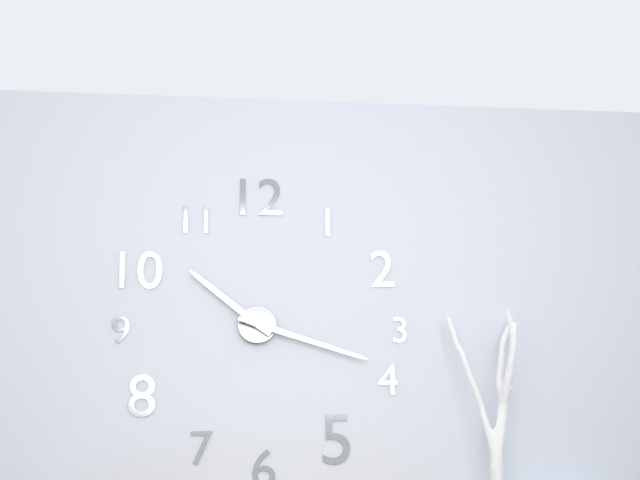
10 h 18 min
